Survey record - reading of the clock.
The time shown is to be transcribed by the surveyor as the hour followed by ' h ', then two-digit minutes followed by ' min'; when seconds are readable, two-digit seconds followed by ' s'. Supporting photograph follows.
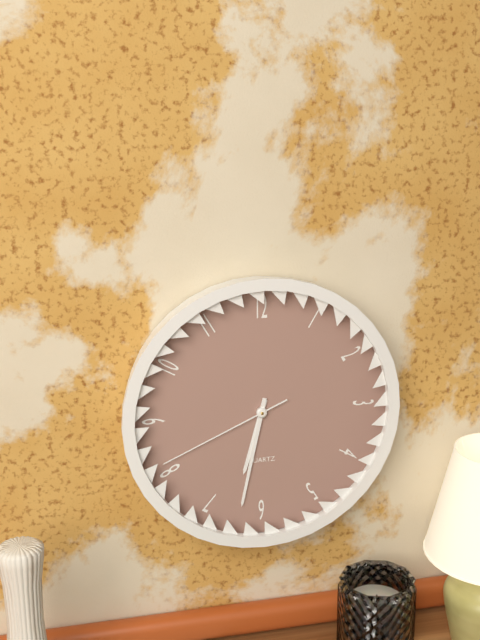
6 h 32 min 41 s
